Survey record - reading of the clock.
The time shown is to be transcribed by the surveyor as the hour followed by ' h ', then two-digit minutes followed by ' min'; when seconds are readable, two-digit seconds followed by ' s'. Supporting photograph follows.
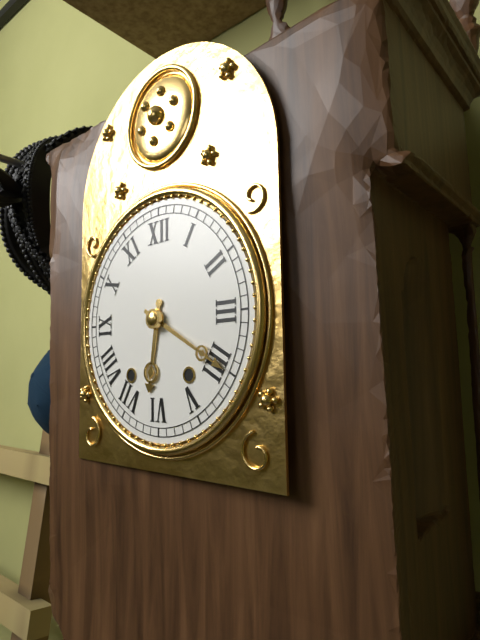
6 h 20 min
